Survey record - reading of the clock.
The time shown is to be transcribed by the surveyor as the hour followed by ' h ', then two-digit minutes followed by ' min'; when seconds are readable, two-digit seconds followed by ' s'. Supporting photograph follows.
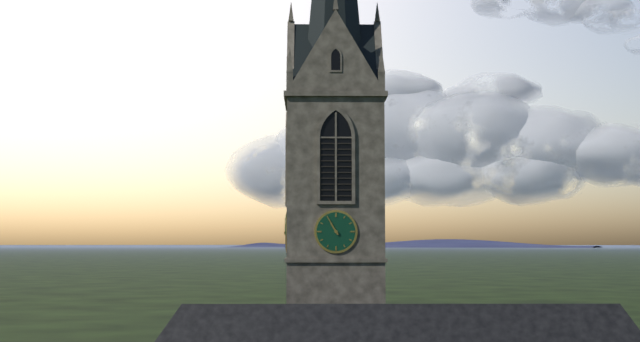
10 h 55 min
